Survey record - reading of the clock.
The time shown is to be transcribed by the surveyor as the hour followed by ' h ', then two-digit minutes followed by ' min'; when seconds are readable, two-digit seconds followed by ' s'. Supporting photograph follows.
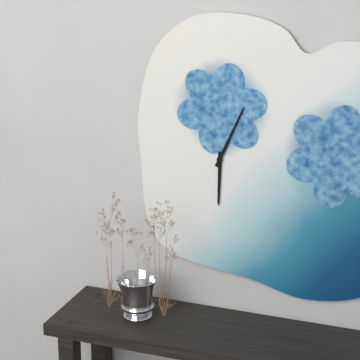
6 h 04 min
